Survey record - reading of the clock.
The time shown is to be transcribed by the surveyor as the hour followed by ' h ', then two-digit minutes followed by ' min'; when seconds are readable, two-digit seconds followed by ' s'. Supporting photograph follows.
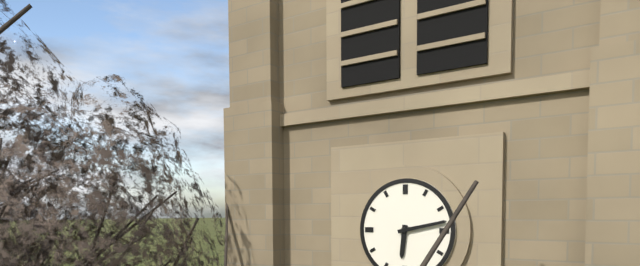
6 h 13 min
